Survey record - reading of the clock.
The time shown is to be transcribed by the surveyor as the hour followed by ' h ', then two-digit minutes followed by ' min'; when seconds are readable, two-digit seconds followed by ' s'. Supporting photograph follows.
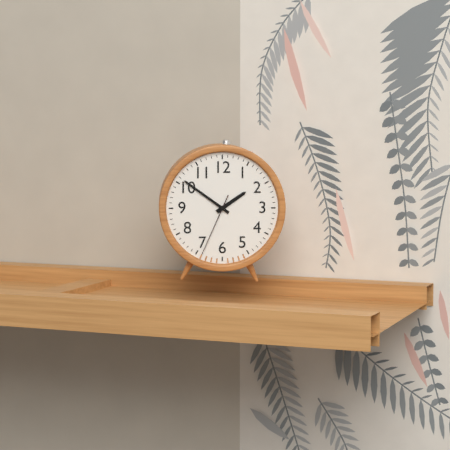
1 h 51 min 34 s
